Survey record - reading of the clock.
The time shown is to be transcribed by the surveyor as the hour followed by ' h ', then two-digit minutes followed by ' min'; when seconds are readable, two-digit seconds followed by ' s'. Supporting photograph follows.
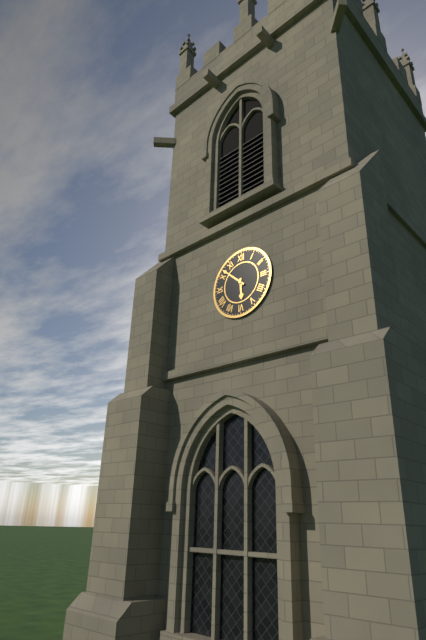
5 h 52 min
